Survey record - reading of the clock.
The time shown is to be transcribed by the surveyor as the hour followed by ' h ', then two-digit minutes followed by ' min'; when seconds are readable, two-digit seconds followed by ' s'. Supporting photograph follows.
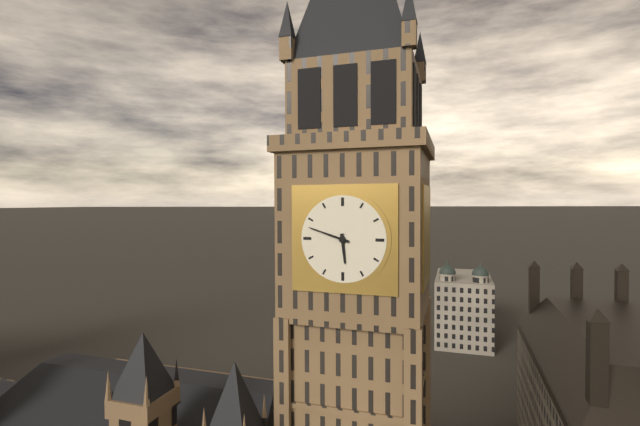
5 h 48 min
